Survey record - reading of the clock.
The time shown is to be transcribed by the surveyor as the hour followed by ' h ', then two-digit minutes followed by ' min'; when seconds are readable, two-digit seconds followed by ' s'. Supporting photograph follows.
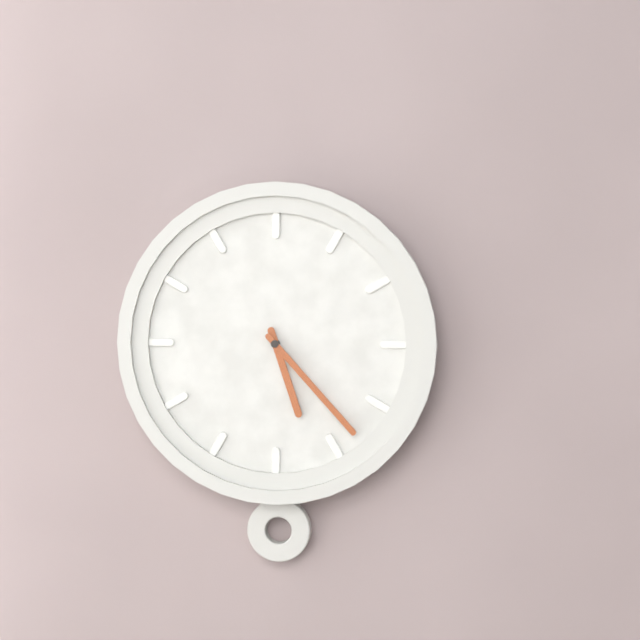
5 h 23 min
